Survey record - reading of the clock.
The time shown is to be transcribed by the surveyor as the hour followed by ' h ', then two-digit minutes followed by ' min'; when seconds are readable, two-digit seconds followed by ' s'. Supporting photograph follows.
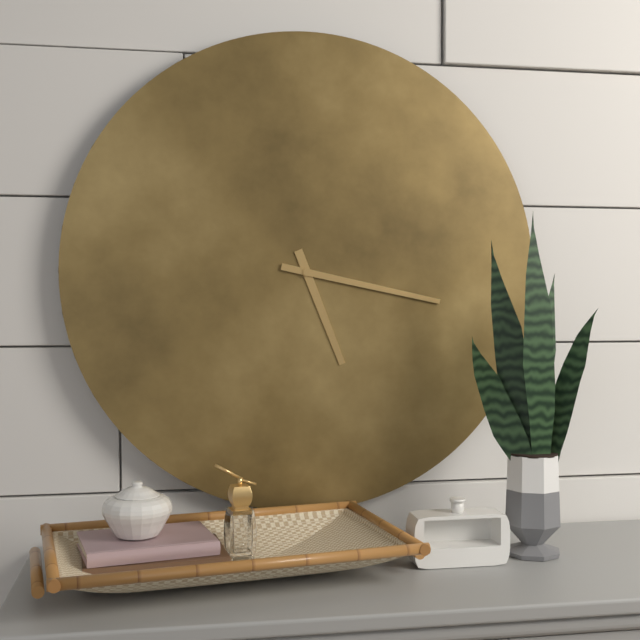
5 h 17 min
